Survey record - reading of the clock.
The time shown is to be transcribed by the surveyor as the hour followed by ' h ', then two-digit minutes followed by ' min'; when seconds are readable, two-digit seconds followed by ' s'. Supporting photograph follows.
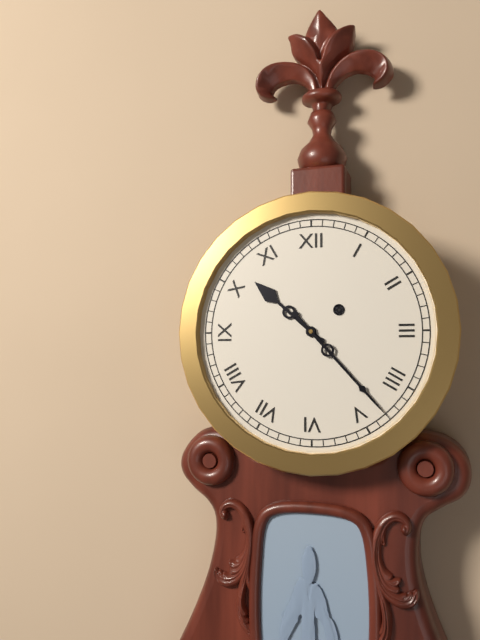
10 h 23 min
